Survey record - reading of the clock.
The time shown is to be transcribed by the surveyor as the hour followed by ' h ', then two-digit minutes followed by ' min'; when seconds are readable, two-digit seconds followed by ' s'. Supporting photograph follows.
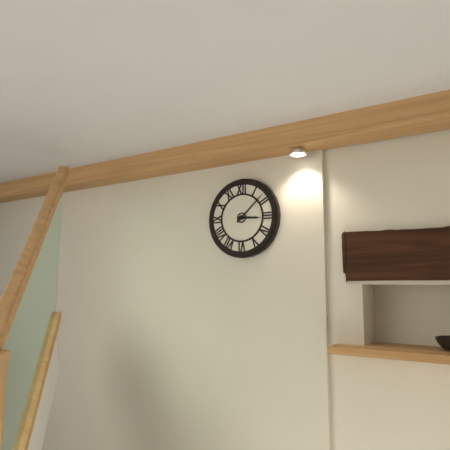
3 h 08 min
